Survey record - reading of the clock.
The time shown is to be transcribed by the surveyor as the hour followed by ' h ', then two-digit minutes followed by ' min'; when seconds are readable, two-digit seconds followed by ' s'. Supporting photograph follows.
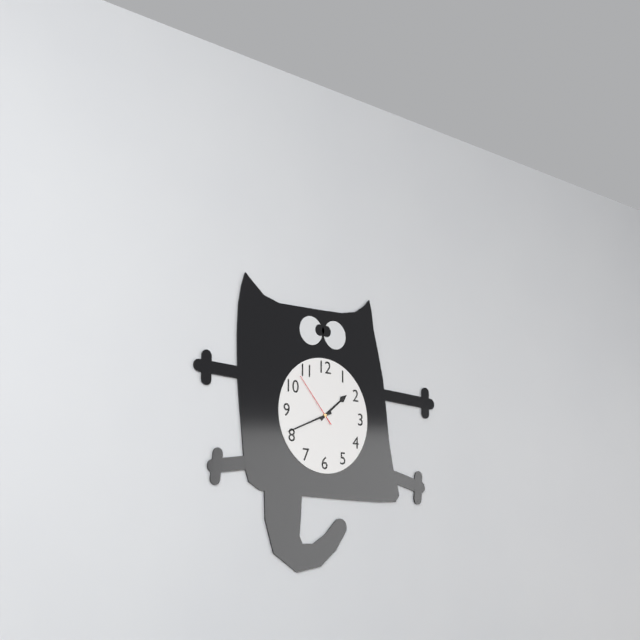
1 h 41 min 53 s
